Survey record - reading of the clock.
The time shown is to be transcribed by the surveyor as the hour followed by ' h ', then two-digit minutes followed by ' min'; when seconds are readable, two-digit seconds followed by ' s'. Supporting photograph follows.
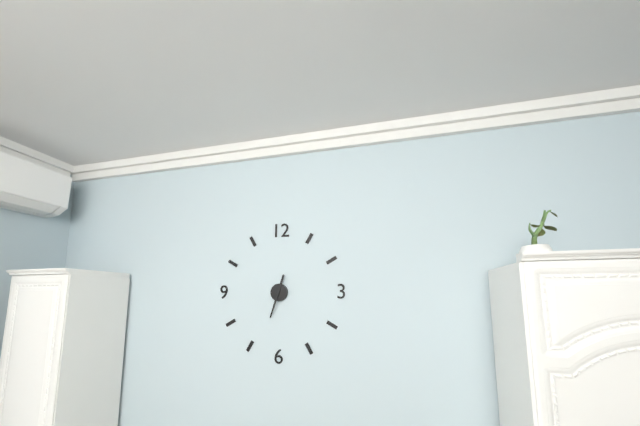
12 h 33 min
